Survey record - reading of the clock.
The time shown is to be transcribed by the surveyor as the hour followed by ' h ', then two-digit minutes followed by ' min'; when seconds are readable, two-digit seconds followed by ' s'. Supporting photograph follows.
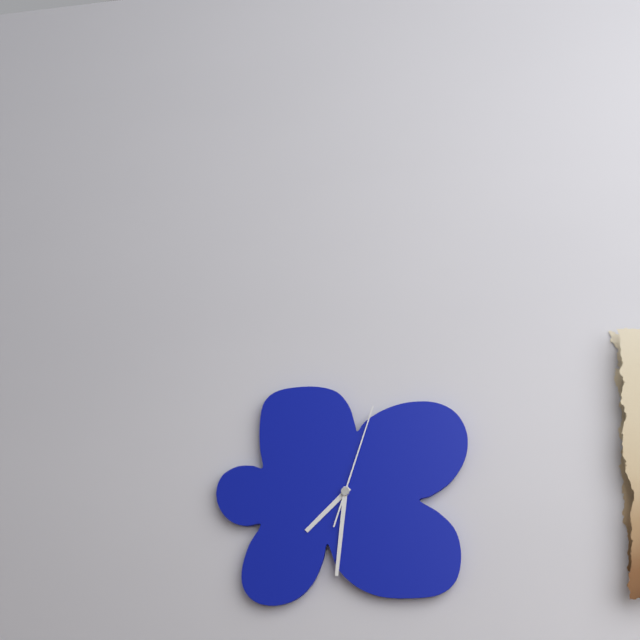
7 h 31 min 03 s
